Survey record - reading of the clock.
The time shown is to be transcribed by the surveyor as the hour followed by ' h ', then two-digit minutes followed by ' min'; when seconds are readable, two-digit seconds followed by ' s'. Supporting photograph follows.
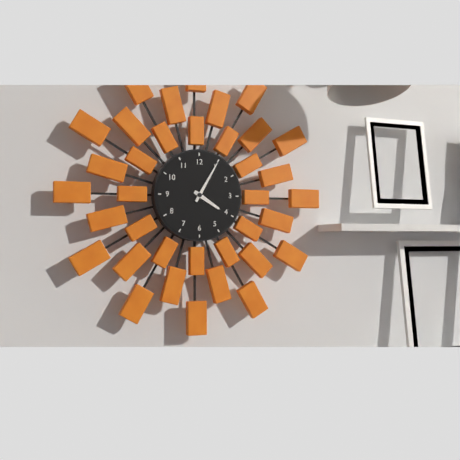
4 h 05 min
